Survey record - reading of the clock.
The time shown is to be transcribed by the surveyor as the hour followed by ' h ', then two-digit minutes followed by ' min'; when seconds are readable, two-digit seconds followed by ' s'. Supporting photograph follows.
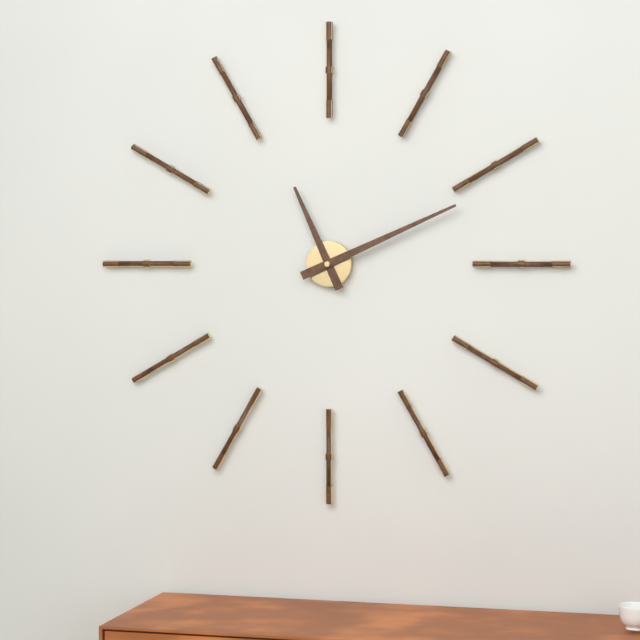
11 h 11 min
